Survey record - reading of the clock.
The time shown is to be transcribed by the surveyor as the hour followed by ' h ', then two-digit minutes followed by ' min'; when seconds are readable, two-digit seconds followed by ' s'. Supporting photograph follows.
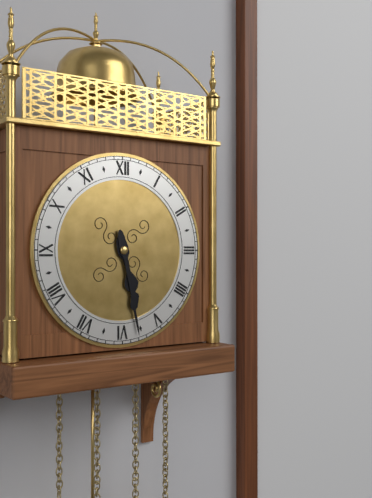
5 h 28 min
